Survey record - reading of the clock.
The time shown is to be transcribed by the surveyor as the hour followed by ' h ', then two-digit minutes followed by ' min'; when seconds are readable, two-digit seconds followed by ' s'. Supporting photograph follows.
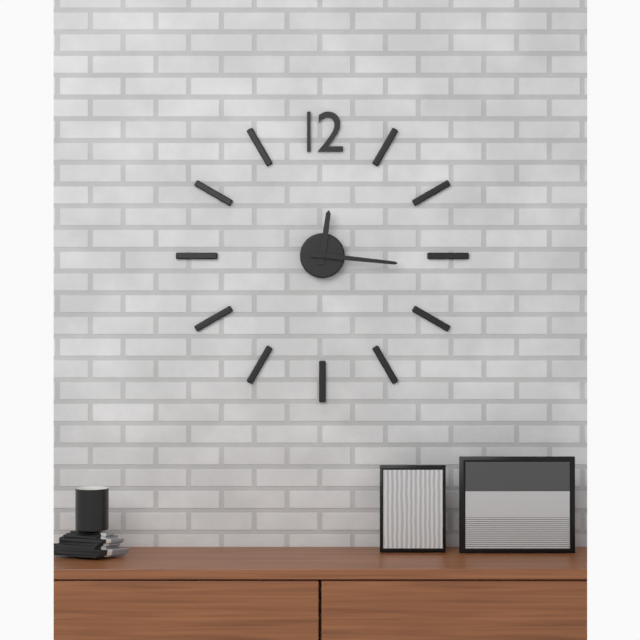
12 h 16 min
